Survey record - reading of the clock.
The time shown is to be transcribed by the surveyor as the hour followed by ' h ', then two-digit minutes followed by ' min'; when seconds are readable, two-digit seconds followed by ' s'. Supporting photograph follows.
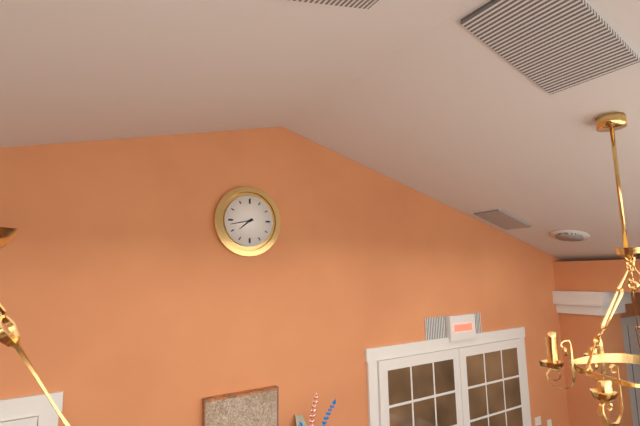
7 h 43 min
